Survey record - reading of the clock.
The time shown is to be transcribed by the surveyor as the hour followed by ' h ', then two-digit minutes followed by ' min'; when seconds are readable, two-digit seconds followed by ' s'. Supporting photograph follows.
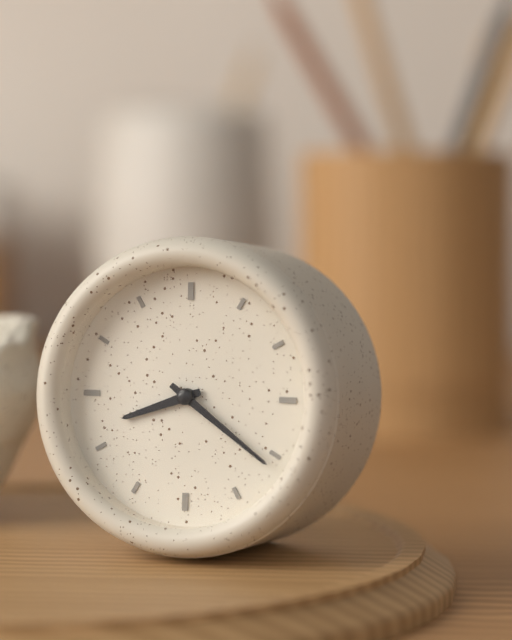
8 h 21 min
